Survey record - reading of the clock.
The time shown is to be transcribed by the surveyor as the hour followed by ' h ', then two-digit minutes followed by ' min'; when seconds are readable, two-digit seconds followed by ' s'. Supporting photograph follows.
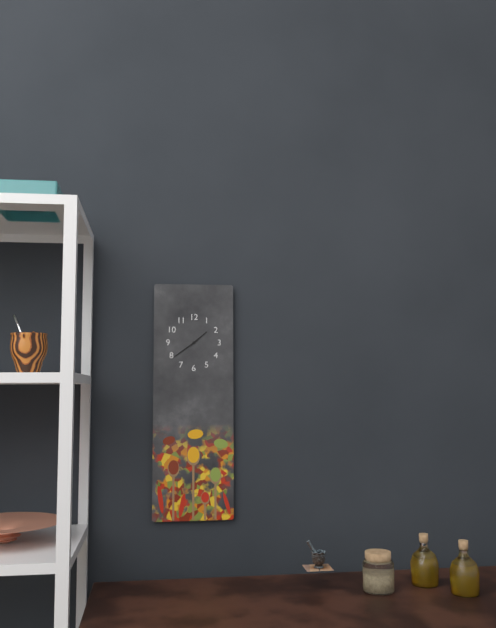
1 h 39 min
